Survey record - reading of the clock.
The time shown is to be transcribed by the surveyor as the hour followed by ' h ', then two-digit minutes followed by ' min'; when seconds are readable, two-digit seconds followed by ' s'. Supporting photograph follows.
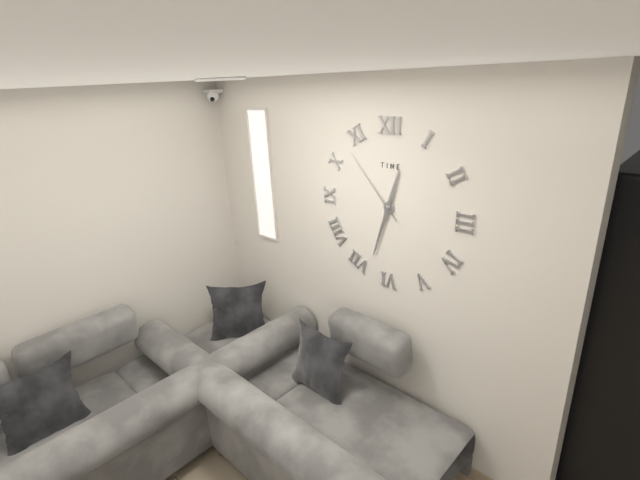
12 h 33 min 53 s
